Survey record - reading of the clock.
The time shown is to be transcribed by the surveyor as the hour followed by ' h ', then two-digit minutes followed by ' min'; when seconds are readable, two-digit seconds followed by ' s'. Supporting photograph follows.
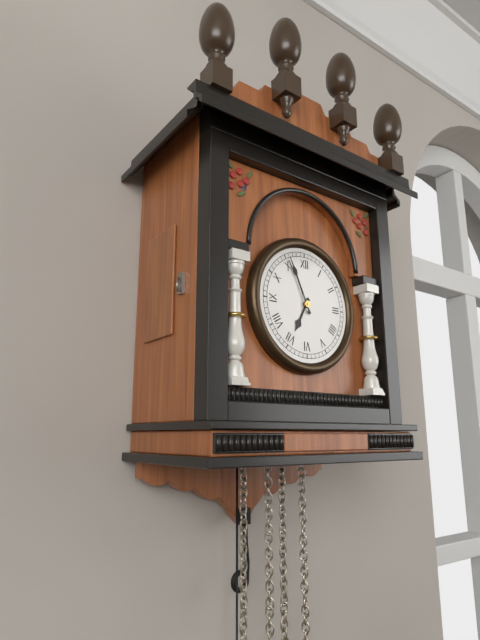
6 h 56 min
